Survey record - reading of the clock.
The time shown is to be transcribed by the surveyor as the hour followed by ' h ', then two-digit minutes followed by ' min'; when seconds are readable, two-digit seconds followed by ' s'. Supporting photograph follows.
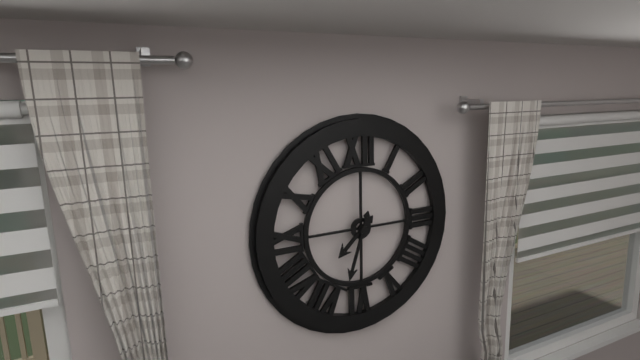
7 h 33 min
